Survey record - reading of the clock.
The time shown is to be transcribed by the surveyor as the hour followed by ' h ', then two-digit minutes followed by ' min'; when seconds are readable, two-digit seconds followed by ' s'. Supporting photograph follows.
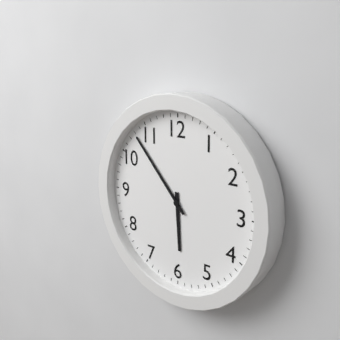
5 h 53 min
